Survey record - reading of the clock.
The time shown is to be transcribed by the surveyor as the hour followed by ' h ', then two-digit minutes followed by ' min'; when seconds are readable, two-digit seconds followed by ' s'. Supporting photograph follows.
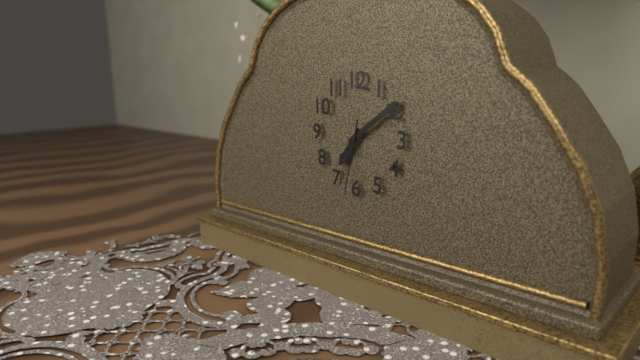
7 h 09 min 32 s
